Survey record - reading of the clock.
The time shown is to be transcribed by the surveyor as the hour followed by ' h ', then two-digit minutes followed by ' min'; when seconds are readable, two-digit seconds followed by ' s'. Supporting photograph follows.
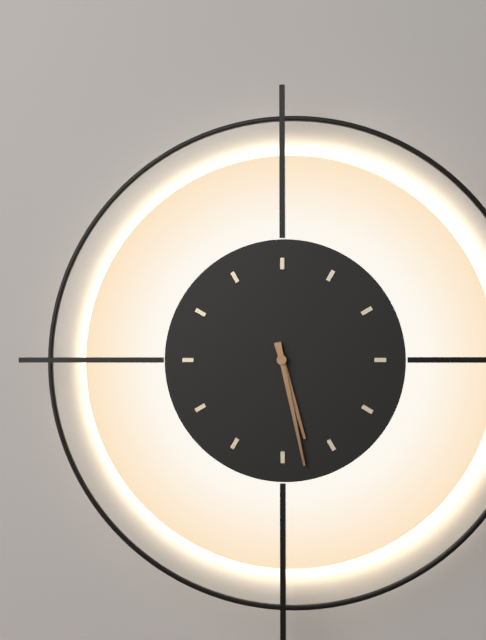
5 h 28 min
